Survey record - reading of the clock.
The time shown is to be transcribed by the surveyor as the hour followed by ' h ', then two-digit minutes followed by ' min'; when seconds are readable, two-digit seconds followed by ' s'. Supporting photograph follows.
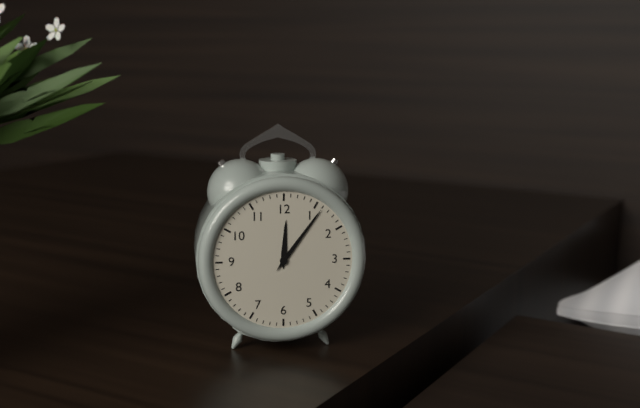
12 h 06 min
